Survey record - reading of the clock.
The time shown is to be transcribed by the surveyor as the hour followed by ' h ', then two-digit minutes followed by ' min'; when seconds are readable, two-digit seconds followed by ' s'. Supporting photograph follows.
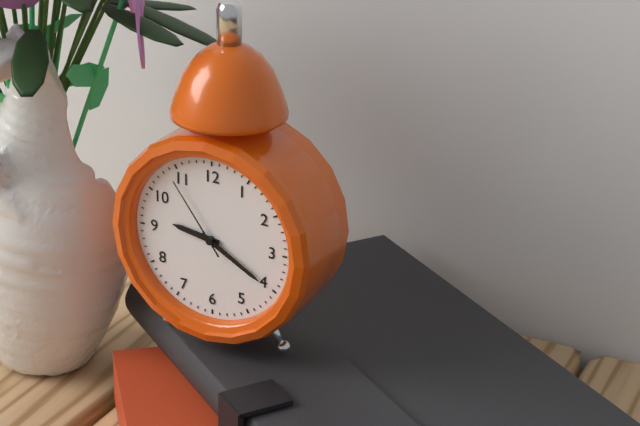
9 h 20 min 54 s
